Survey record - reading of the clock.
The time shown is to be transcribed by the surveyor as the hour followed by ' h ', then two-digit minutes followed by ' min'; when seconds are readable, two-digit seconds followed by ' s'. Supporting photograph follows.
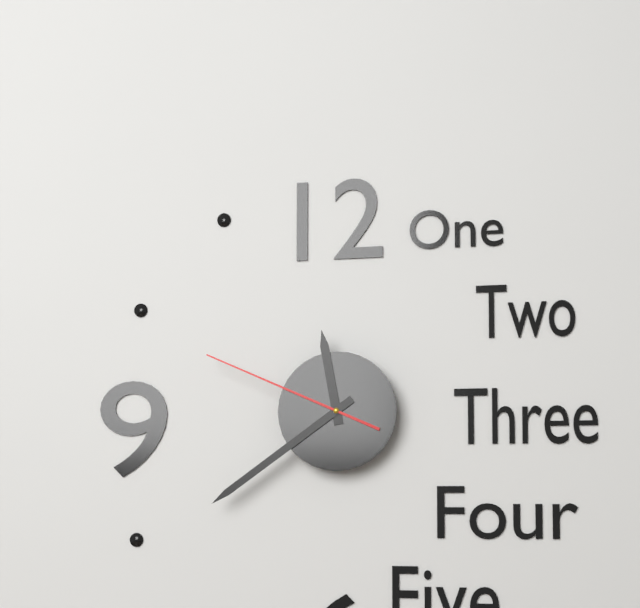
11 h 39 min 49 s
